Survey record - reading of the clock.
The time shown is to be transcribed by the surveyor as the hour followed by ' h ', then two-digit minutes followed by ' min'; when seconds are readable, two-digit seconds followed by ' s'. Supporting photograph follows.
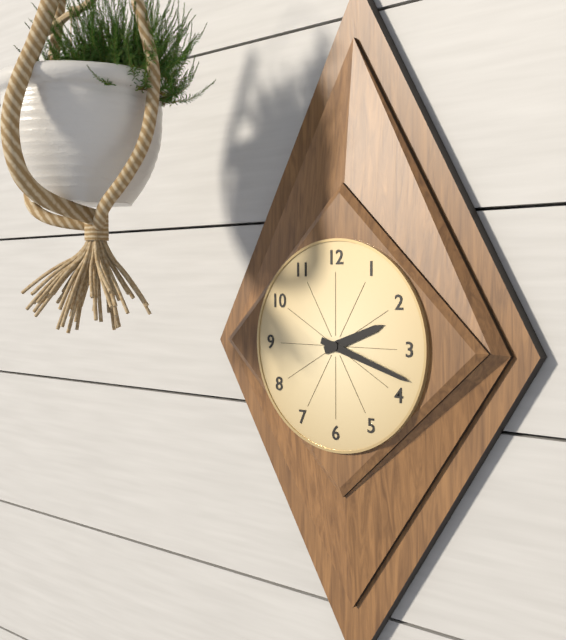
2 h 18 min
